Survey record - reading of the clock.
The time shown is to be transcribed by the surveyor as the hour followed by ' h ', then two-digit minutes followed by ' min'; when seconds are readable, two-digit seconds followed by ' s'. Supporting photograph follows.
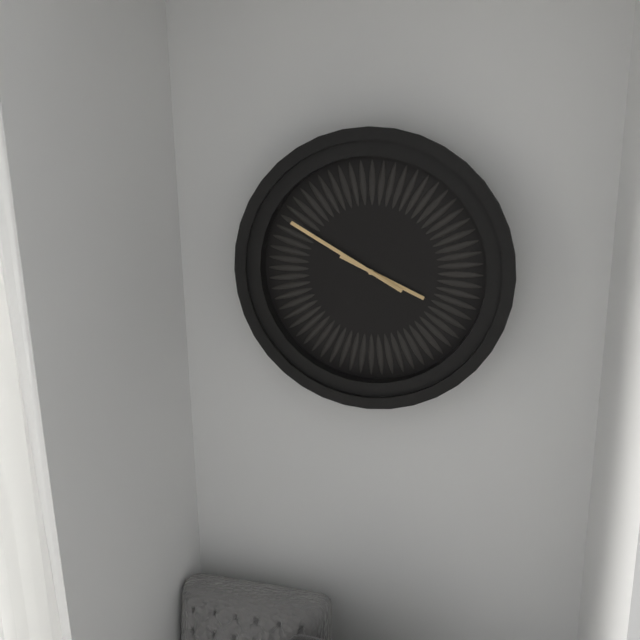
3 h 50 min
